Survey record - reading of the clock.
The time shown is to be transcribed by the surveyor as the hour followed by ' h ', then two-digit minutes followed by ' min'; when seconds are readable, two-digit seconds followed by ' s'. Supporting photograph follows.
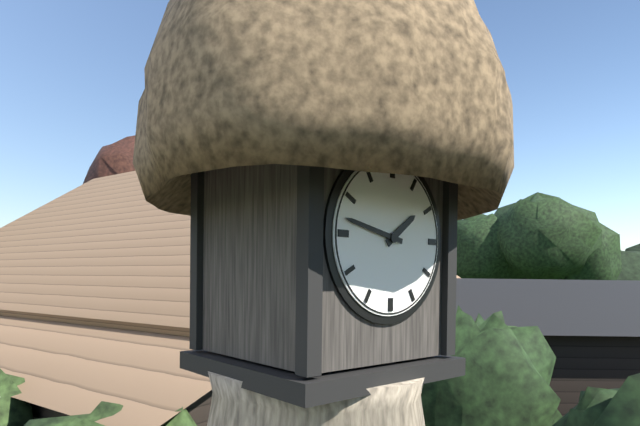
1 h 47 min
